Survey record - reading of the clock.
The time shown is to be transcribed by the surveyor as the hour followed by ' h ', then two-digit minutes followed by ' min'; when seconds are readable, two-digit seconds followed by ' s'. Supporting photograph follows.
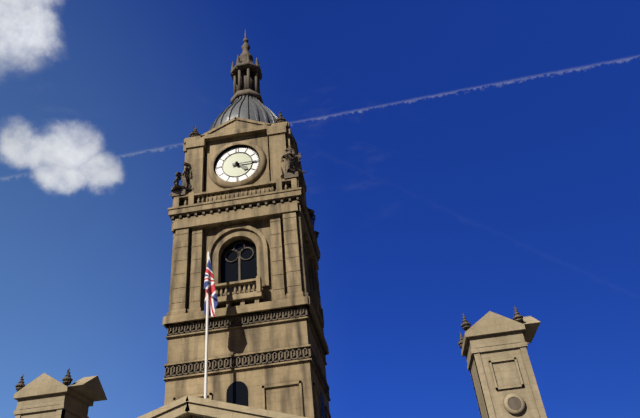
4 h 15 min
